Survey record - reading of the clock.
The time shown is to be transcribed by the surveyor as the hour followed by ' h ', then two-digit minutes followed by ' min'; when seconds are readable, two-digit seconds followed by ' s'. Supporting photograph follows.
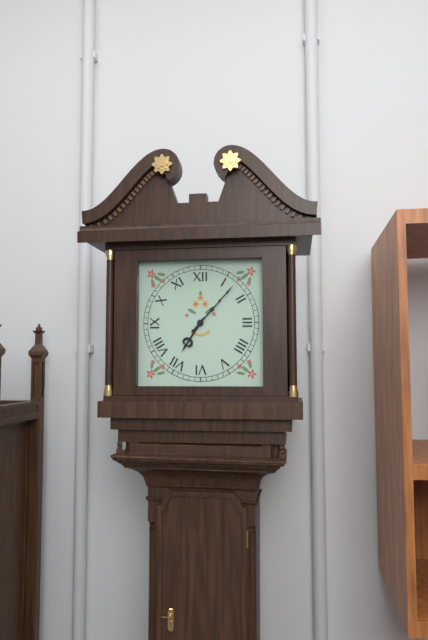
7 h 07 min
